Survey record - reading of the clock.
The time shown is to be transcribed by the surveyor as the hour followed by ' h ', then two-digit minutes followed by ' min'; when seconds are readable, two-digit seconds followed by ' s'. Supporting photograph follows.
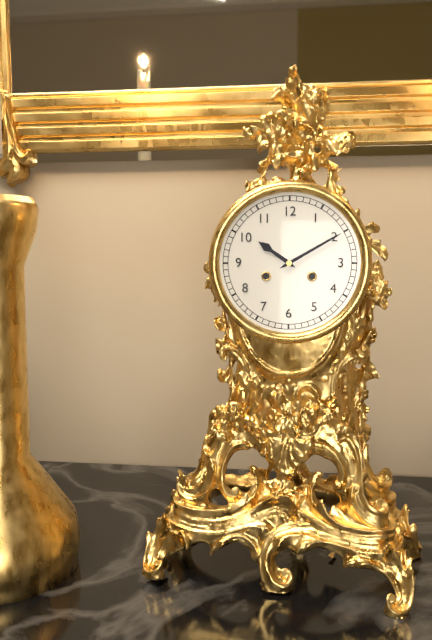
10 h 10 min
